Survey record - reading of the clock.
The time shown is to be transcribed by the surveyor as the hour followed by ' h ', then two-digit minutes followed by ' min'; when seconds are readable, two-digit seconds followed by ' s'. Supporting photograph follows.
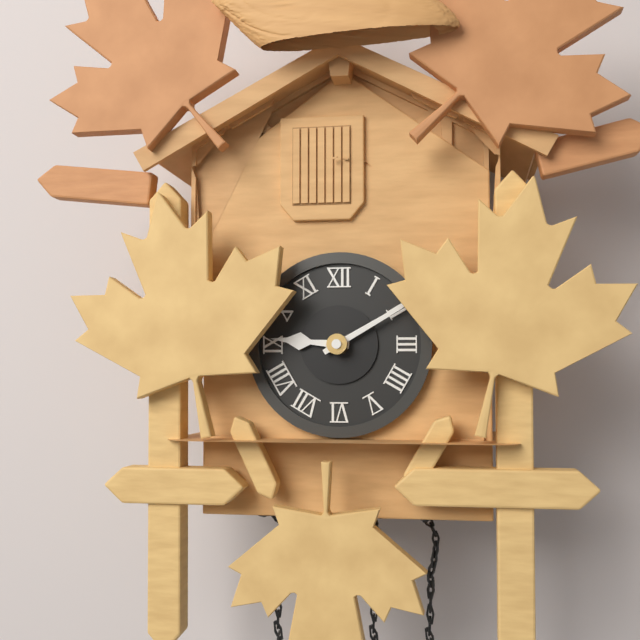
9 h 10 min
